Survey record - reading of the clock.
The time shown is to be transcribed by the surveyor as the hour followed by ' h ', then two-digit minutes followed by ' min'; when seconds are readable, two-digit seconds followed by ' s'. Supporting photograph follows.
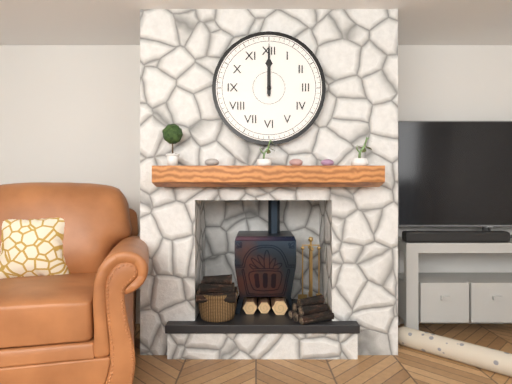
12 h 00 min
